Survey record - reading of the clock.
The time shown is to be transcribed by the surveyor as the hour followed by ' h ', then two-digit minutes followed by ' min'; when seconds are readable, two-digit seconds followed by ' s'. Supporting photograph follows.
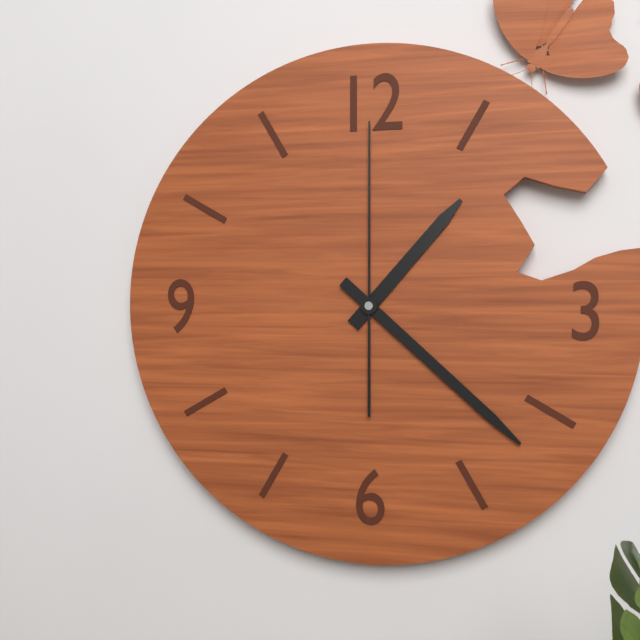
1 h 22 min 00 s
